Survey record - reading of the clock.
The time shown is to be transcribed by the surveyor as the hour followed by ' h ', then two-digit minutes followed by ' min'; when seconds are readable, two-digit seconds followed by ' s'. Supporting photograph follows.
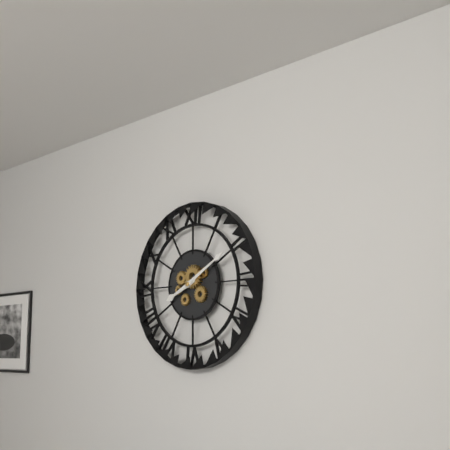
8 h 10 min
